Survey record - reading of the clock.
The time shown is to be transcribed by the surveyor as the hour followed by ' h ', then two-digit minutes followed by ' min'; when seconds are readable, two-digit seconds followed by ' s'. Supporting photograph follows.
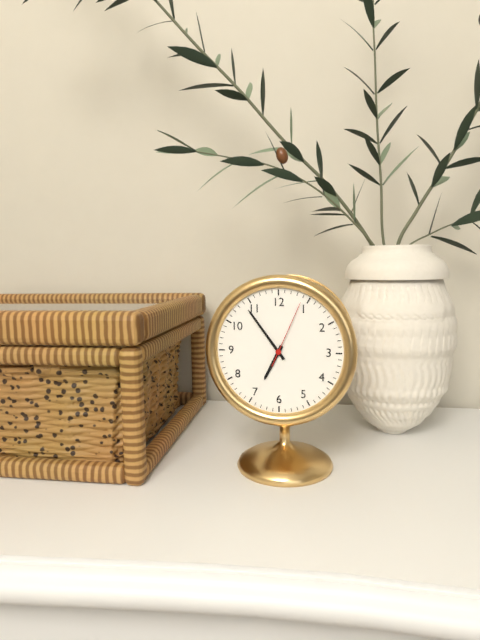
6 h 54 min 04 s
